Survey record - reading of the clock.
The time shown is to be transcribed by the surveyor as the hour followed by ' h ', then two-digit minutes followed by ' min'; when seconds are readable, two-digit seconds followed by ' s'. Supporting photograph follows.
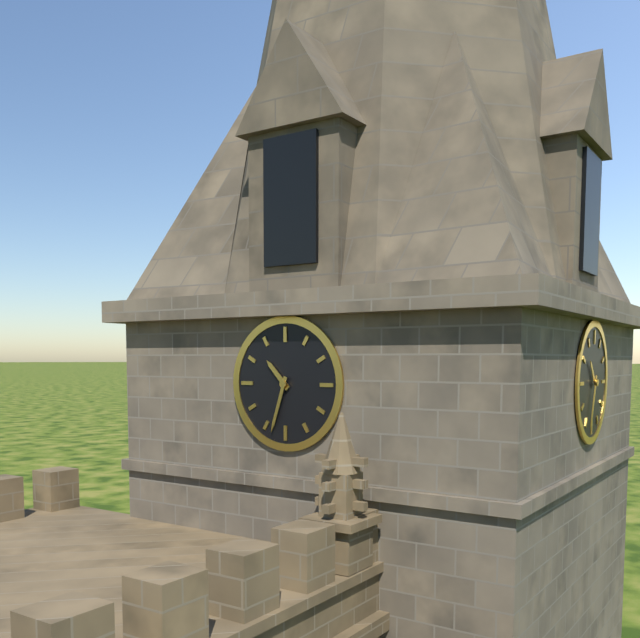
10 h 33 min
